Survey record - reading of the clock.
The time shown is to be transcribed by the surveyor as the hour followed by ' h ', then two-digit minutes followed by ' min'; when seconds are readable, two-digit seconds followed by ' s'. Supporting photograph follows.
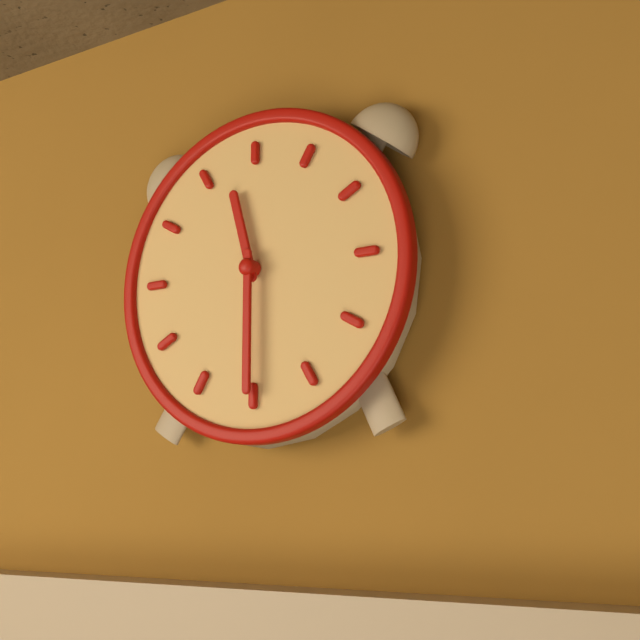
11 h 30 min
